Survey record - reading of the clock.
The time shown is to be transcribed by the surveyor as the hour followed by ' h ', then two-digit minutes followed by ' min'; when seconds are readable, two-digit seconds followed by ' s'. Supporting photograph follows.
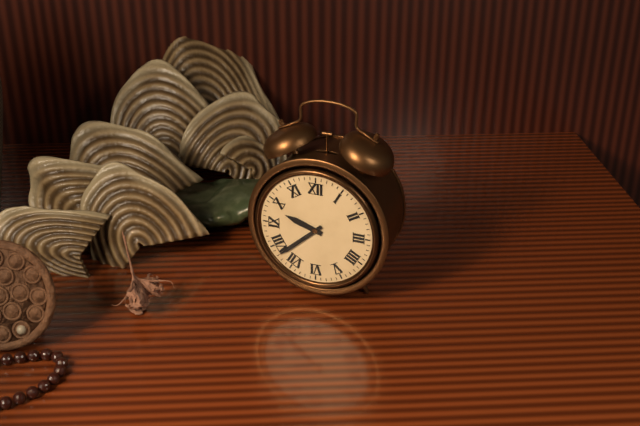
9 h 38 min
